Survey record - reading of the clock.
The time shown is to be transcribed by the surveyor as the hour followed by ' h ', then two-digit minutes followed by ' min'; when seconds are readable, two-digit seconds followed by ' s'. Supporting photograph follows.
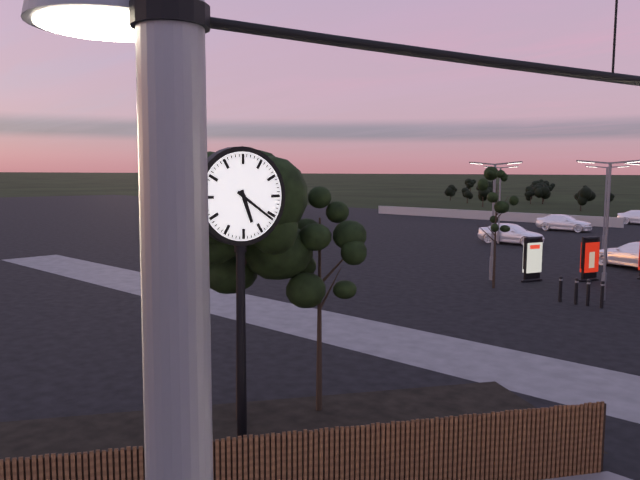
5 h 21 min
